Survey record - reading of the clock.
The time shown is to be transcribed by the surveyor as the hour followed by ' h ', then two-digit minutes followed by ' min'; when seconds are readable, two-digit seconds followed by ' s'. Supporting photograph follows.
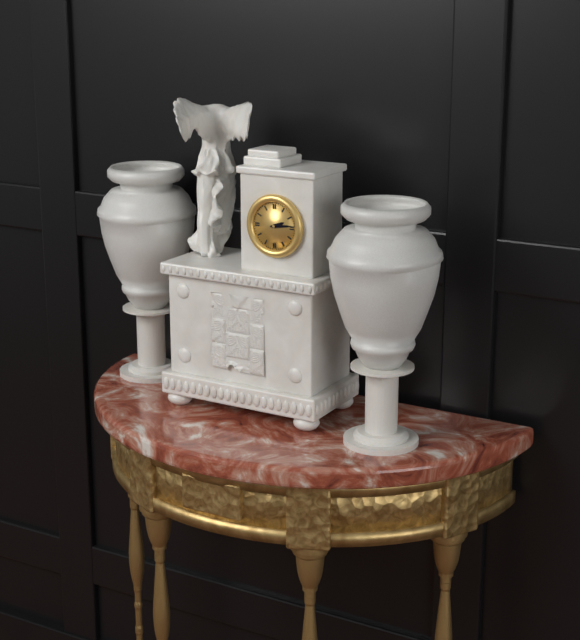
2 h 14 min
